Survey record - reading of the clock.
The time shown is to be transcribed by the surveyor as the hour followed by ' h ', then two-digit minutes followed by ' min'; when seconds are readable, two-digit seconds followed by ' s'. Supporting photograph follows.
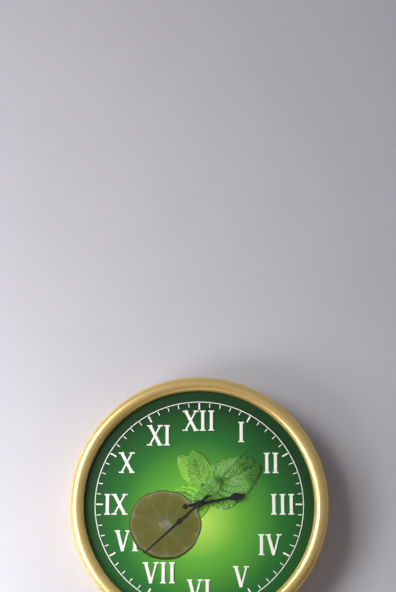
2 h 38 min 07 s
